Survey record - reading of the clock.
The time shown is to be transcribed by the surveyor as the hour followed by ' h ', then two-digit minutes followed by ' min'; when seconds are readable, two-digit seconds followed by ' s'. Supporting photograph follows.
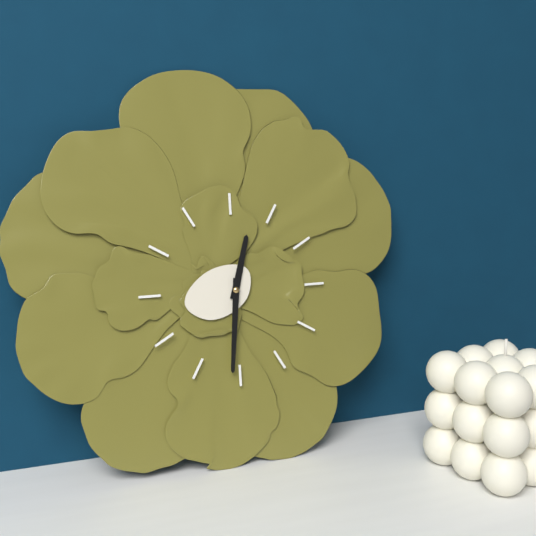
12 h 31 min
